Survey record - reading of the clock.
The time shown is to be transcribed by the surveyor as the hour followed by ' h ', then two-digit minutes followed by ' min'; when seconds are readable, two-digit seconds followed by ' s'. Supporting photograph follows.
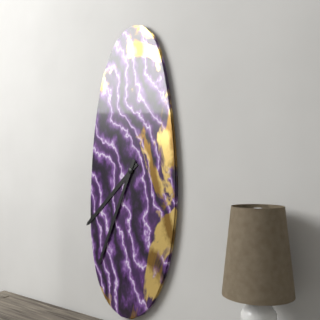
7 h 34 min
